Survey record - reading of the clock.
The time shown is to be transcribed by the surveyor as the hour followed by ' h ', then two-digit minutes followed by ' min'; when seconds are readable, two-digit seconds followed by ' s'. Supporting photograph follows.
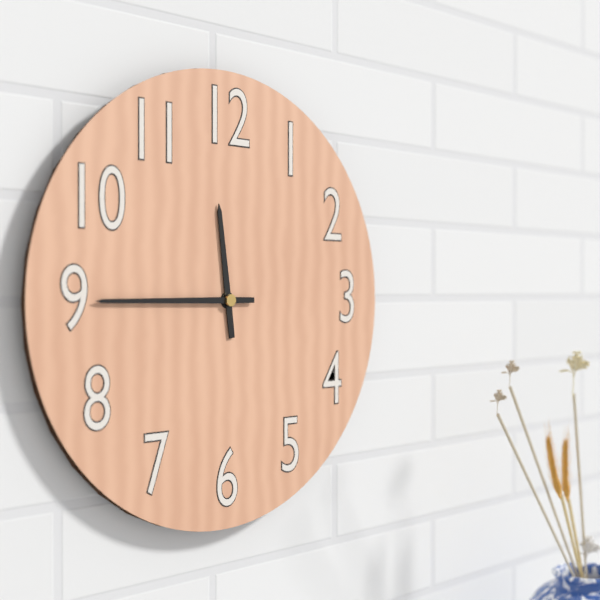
11 h 45 min
